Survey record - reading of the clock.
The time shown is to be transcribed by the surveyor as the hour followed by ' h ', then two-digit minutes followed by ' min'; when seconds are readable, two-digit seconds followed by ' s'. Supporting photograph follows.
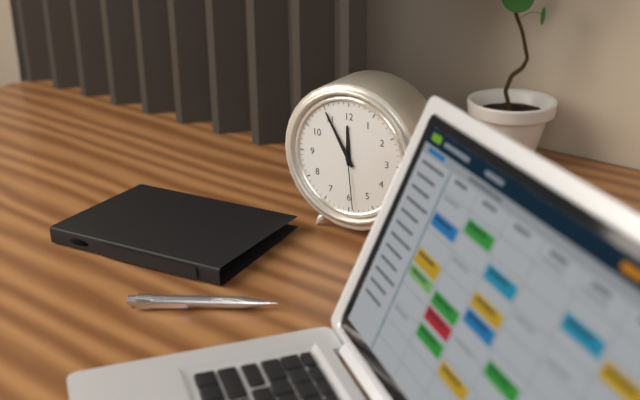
11 h 55 min 29 s
